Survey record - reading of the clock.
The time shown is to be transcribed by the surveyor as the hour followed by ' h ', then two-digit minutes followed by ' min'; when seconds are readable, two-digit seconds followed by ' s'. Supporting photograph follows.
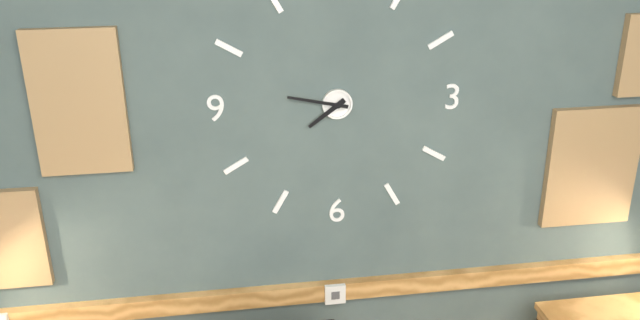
7 h 47 min
